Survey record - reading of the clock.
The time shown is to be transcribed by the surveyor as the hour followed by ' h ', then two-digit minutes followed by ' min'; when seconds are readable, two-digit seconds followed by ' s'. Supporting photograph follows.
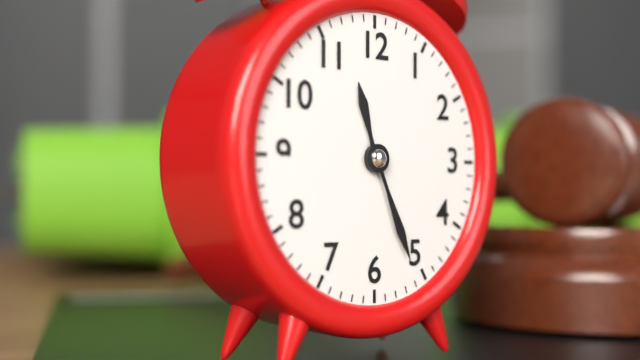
11 h 26 min
